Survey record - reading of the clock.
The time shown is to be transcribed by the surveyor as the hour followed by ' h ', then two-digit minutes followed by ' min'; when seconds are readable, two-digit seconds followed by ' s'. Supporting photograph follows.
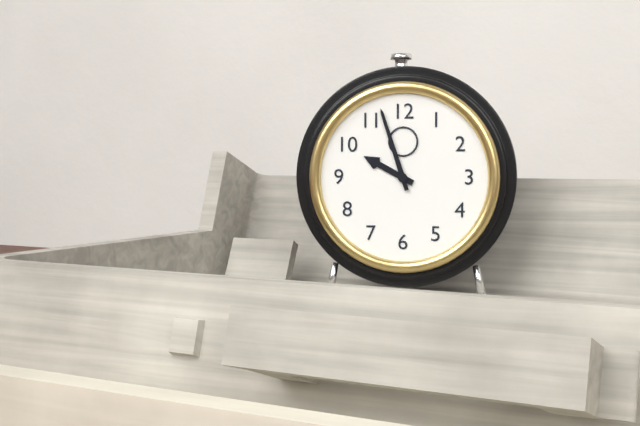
9 h 57 min
